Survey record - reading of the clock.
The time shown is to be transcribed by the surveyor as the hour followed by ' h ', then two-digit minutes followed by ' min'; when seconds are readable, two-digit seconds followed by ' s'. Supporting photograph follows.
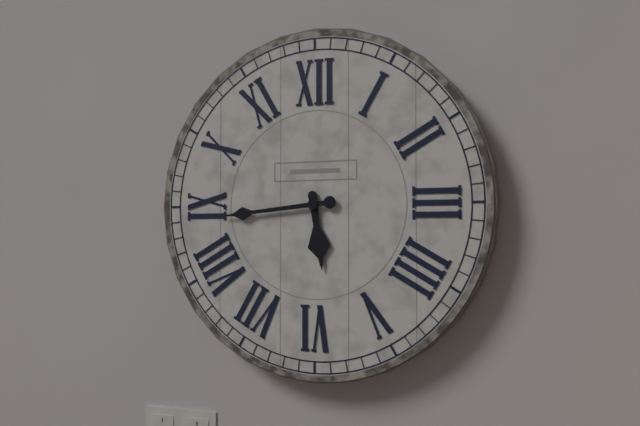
5 h 44 min
